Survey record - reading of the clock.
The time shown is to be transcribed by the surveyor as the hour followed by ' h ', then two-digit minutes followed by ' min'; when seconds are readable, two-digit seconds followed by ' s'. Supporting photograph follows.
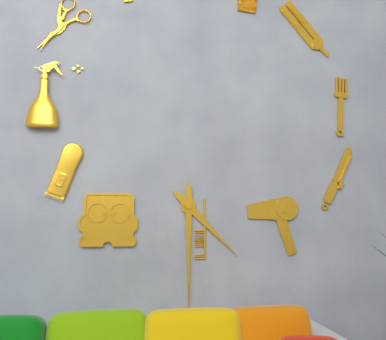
4 h 30 min
